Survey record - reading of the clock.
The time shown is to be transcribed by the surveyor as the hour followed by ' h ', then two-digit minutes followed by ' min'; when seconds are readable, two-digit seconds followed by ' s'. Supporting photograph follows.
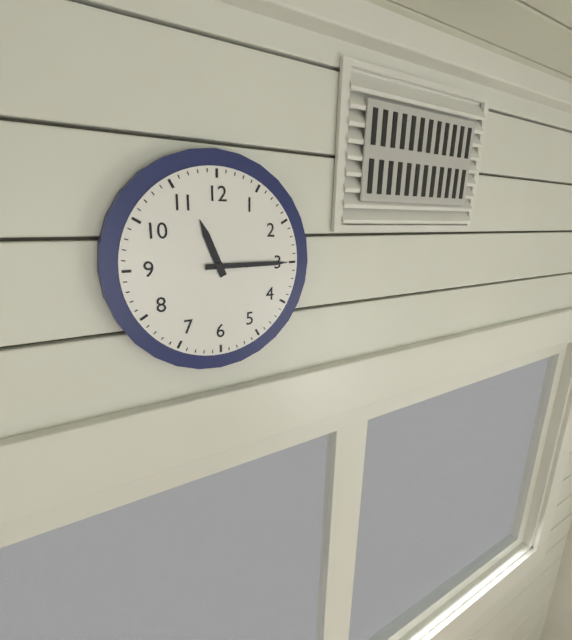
11 h 15 min
